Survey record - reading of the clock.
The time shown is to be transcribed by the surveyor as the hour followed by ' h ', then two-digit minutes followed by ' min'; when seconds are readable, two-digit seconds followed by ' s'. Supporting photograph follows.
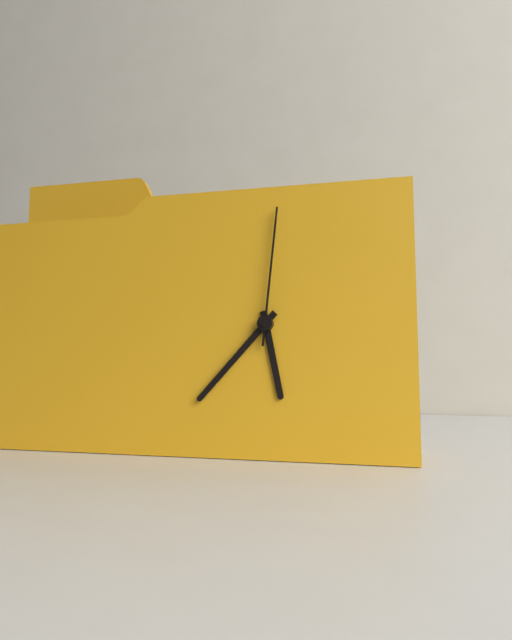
5 h 37 min 01 s
